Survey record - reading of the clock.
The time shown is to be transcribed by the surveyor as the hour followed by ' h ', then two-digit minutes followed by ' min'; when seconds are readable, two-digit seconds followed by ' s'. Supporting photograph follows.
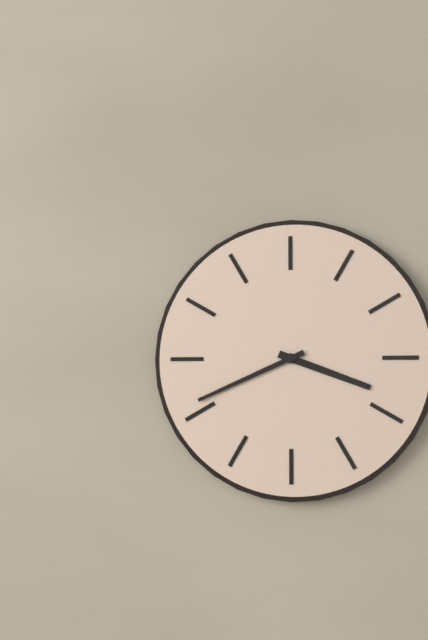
3 h 41 min
